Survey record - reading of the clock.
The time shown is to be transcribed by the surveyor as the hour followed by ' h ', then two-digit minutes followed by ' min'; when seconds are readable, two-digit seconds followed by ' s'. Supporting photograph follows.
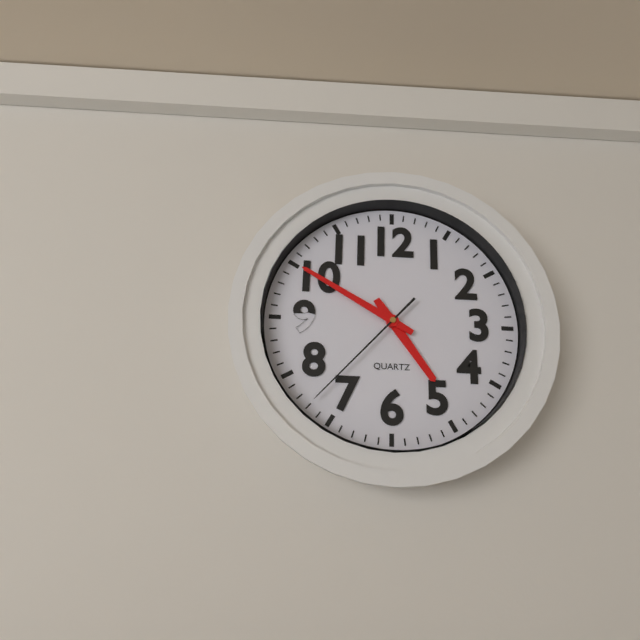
4 h 50 min 37 s
